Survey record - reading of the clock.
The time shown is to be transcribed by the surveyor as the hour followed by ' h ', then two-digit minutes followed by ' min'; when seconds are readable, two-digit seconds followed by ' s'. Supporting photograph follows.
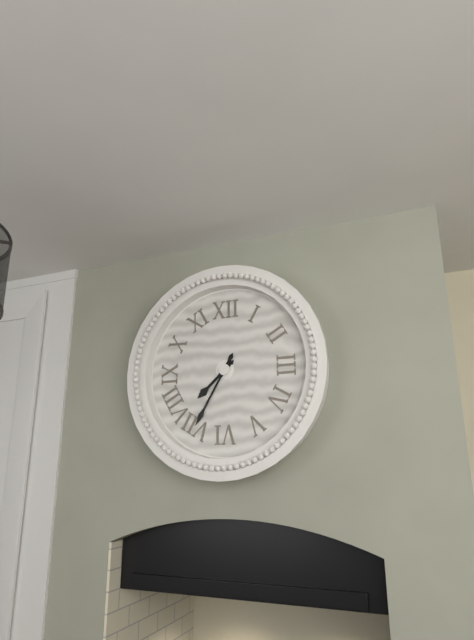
7 h 35 min
